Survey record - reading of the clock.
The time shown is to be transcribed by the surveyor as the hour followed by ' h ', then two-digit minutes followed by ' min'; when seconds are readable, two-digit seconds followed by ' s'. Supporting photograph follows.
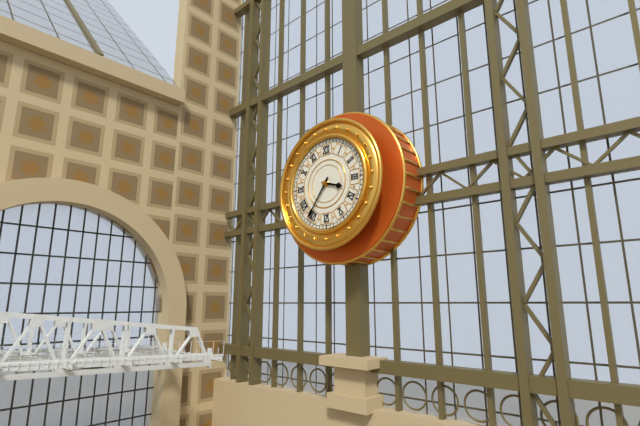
3 h 36 min
